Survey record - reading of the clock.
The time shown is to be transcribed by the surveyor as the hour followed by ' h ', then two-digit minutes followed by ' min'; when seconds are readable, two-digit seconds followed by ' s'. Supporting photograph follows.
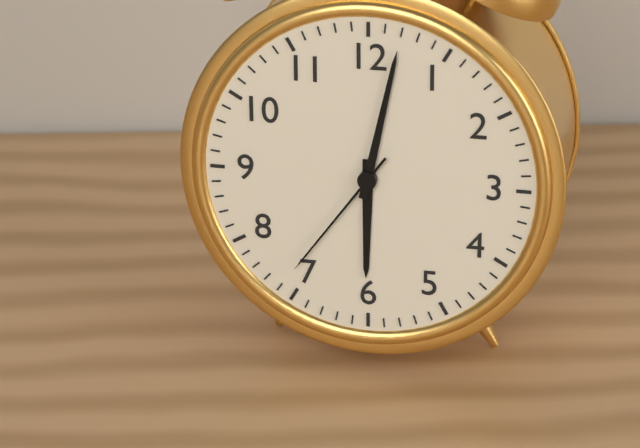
6 h 02 min 36 s
